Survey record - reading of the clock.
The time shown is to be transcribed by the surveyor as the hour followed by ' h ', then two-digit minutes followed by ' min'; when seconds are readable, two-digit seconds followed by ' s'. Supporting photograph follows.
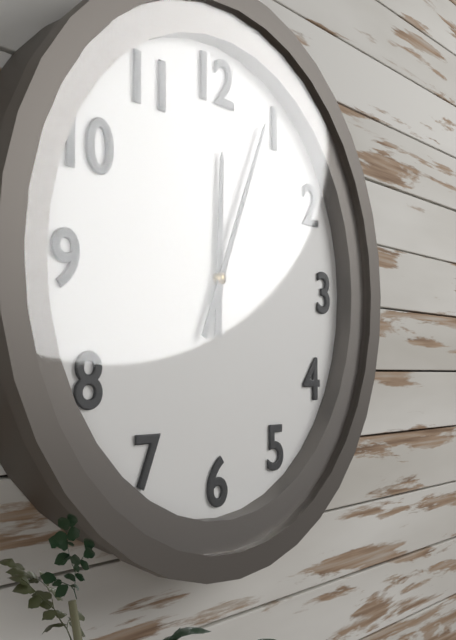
12 h 04 min
